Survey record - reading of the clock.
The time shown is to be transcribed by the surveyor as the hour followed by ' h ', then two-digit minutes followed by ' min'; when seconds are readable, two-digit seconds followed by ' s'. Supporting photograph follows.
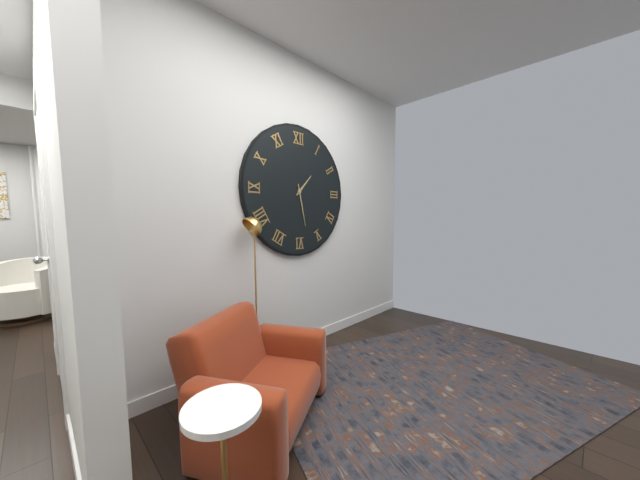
1 h 28 min
